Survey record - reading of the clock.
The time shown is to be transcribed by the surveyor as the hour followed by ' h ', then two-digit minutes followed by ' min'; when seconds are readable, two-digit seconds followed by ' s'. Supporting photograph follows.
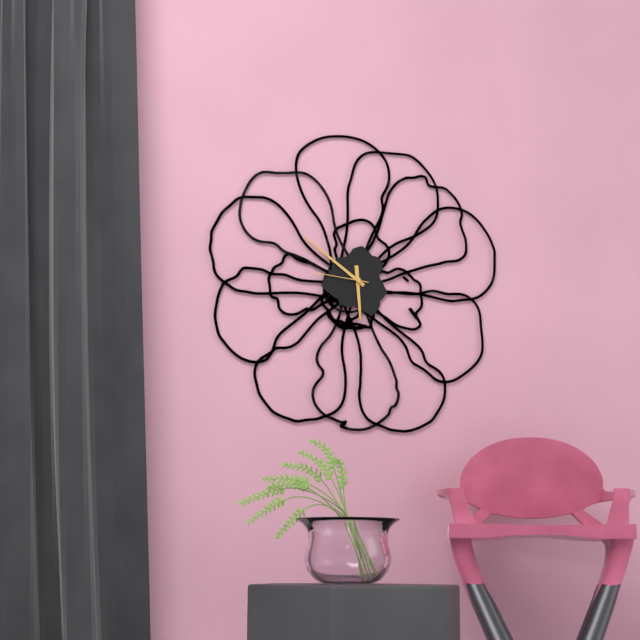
5 h 51 min 46 s
